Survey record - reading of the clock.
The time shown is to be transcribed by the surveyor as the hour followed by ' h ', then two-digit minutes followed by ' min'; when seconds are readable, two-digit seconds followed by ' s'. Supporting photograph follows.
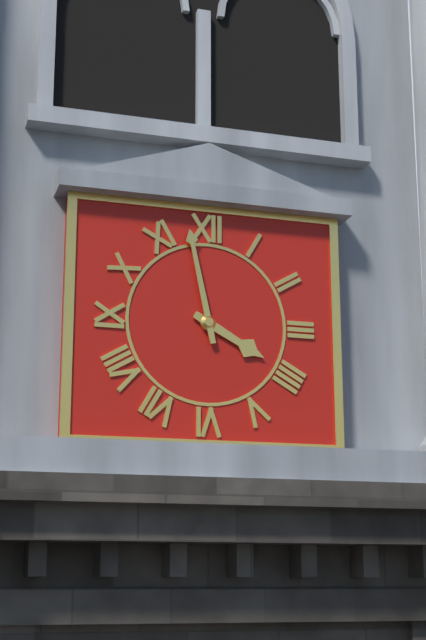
3 h 58 min
